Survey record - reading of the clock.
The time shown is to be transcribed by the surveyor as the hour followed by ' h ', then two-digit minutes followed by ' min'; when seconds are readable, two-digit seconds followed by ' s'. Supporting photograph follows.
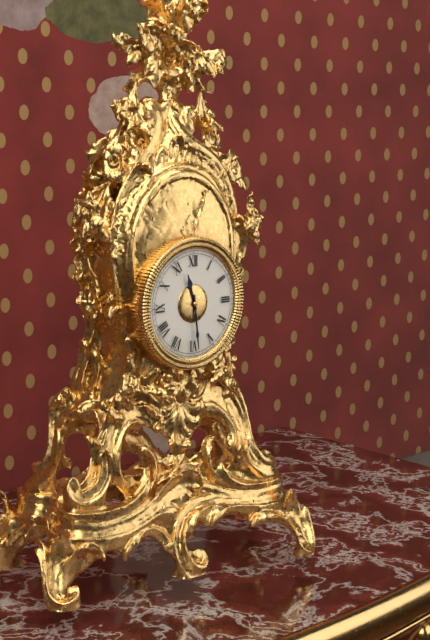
11 h 29 min
